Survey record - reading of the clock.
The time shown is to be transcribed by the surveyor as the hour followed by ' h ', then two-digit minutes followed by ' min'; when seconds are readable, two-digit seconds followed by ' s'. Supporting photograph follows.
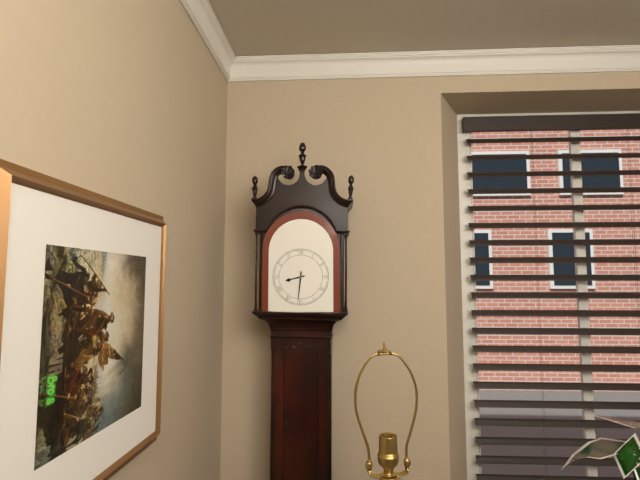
8 h 31 min
